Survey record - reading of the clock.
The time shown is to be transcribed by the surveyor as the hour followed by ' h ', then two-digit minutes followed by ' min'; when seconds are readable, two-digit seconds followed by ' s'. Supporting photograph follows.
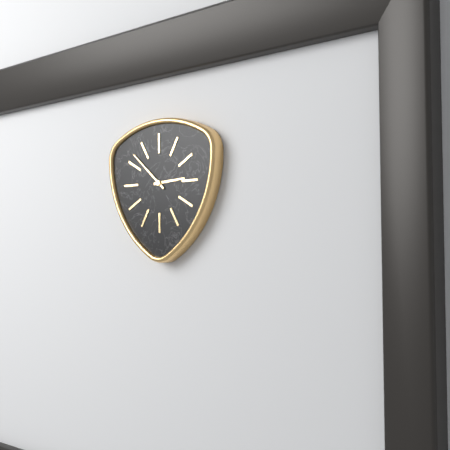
2 h 52 min
